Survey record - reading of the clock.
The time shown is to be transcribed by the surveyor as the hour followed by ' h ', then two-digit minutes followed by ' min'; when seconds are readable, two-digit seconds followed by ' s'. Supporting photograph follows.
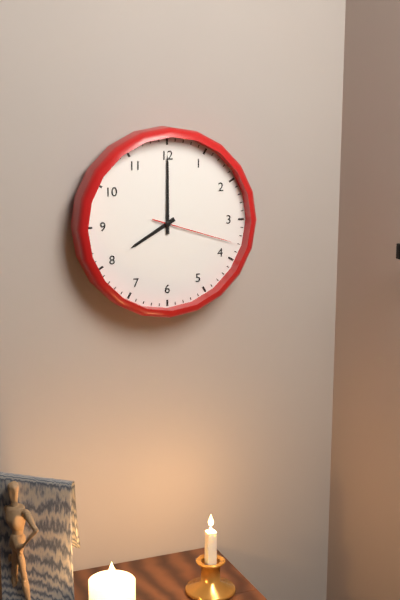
8 h 00 min 18 s
